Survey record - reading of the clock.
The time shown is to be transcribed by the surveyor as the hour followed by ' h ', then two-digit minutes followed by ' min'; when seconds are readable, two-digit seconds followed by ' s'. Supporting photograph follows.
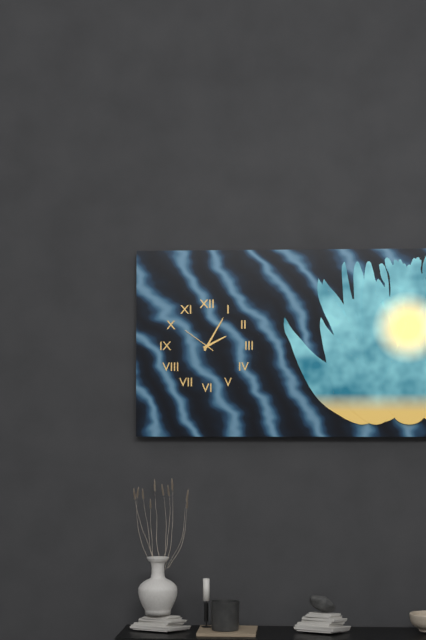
2 h 05 min
